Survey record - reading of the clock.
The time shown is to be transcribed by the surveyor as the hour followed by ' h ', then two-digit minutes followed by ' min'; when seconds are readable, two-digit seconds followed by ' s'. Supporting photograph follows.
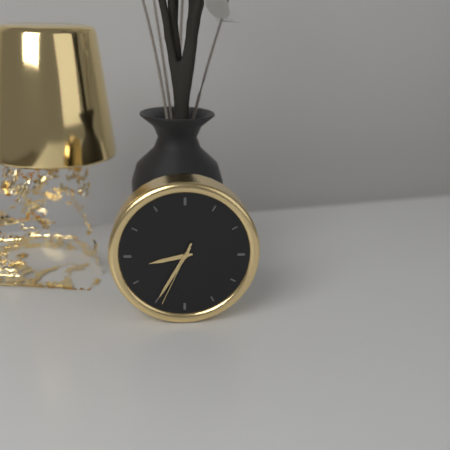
8 h 35 min 34 s
